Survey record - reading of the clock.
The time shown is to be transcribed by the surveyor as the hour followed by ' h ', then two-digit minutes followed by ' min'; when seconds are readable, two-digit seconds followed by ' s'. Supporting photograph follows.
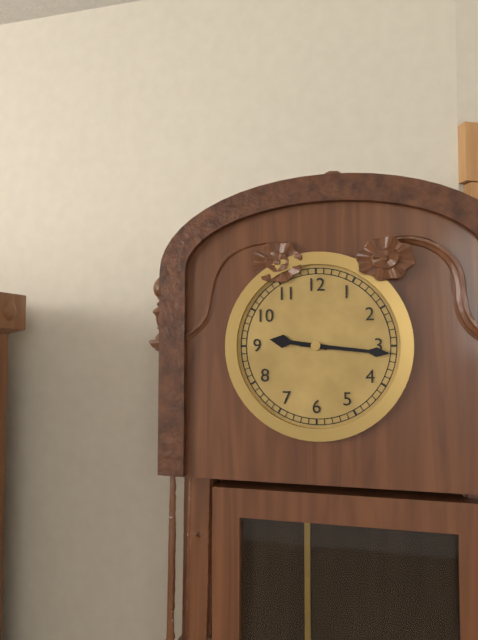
9 h 16 min
